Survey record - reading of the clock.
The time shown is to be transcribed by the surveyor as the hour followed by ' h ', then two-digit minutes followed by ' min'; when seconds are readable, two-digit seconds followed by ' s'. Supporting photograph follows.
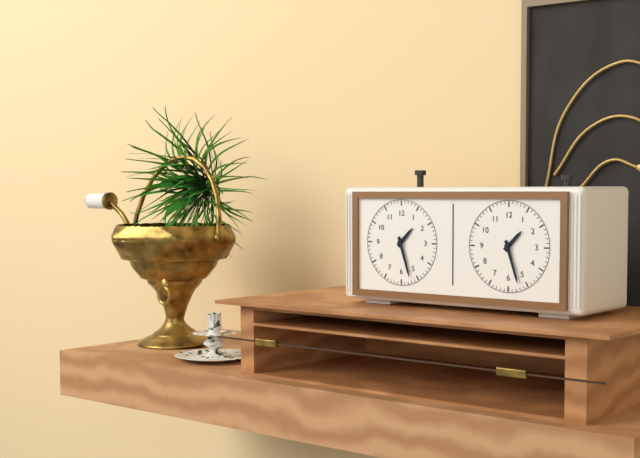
1 h 27 min
